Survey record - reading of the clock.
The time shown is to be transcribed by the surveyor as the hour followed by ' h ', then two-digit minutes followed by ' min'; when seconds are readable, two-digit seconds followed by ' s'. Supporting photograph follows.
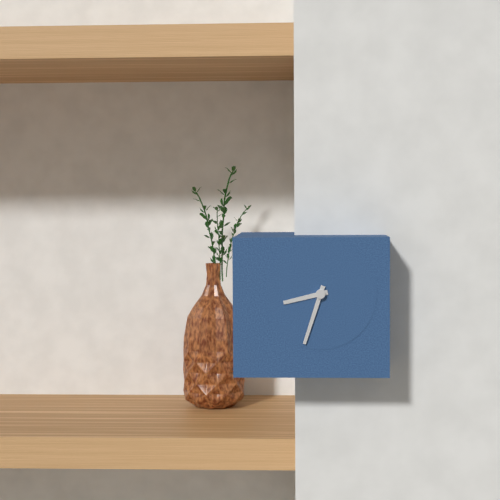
8 h 33 min
